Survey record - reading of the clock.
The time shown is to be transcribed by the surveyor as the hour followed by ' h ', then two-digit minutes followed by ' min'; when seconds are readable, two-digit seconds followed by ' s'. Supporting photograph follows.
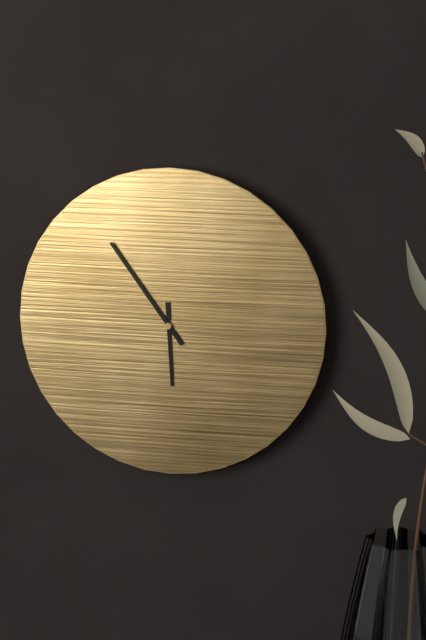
5 h 54 min
